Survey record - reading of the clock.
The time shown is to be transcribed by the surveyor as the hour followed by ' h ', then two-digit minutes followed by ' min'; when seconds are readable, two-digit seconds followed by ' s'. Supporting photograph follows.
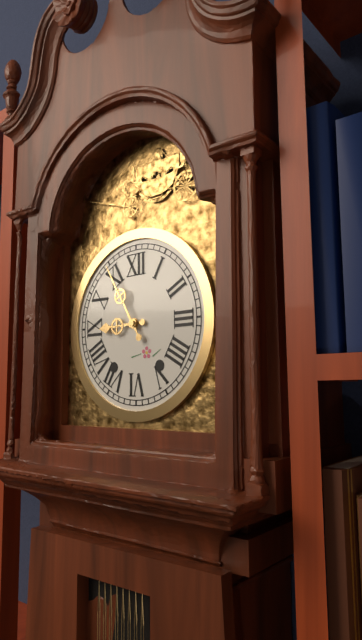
8 h 55 min
